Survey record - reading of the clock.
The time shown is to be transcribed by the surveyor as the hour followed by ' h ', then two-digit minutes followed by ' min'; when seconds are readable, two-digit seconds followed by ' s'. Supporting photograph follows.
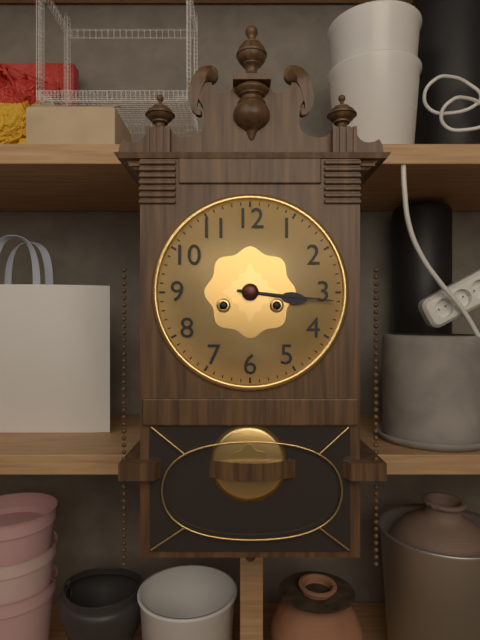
3 h 16 min
